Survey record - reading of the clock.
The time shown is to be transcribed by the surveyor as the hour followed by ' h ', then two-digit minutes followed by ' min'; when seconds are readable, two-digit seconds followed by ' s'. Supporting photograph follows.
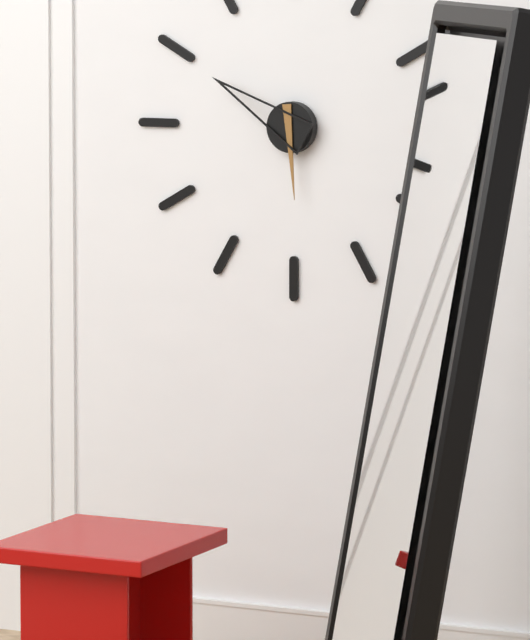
5 h 50 min
